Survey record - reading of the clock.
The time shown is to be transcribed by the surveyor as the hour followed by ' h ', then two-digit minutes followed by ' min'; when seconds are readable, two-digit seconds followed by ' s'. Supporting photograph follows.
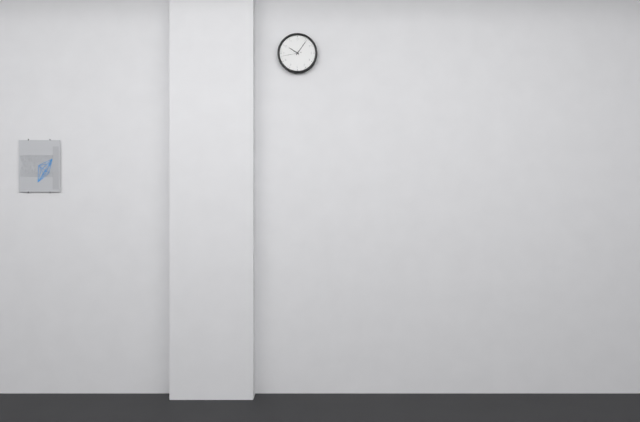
10 h 06 min
